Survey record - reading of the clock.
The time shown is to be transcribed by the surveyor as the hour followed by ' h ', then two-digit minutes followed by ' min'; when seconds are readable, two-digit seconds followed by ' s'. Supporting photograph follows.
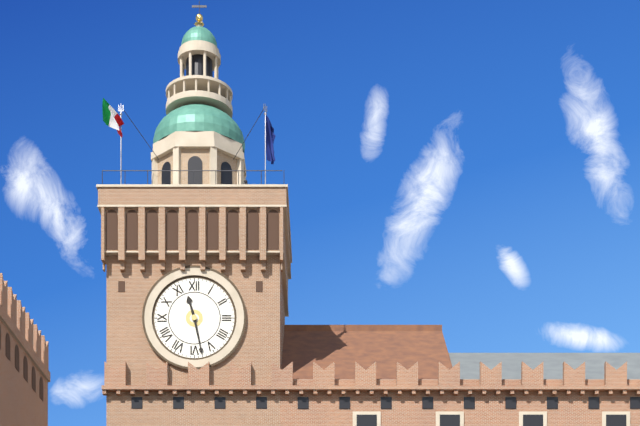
11 h 28 min
